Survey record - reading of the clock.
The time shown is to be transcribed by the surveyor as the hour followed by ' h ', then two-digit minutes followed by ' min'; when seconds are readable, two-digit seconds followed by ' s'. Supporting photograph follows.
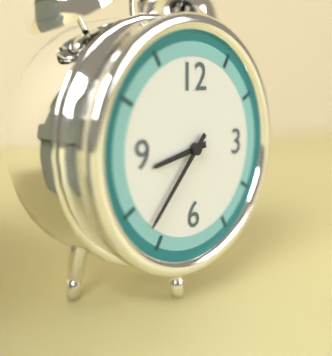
8 h 37 min
